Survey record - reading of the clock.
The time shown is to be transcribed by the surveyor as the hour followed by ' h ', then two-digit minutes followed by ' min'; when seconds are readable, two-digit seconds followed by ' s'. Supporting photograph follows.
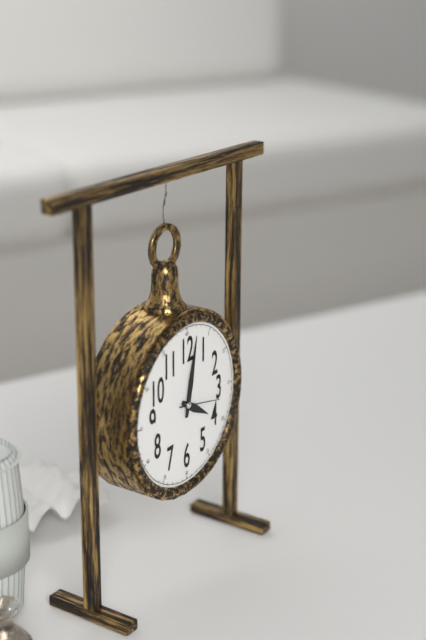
4 h 02 min
